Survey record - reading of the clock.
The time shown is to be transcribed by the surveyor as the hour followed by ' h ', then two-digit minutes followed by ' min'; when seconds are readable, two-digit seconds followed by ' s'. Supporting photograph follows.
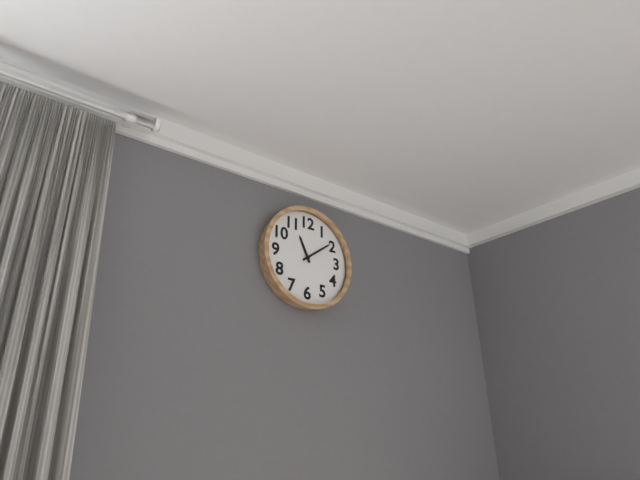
11 h 09 min
